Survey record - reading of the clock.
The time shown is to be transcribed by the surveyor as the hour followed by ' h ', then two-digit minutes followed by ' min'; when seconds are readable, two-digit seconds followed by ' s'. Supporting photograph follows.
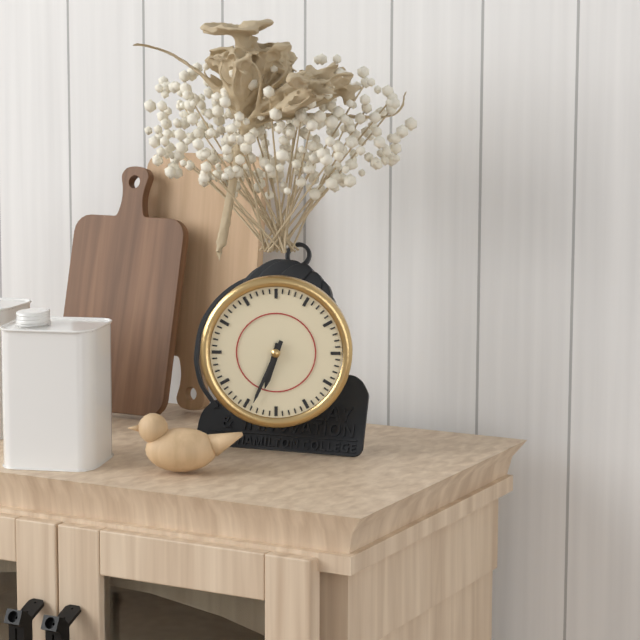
6 h 34 min
